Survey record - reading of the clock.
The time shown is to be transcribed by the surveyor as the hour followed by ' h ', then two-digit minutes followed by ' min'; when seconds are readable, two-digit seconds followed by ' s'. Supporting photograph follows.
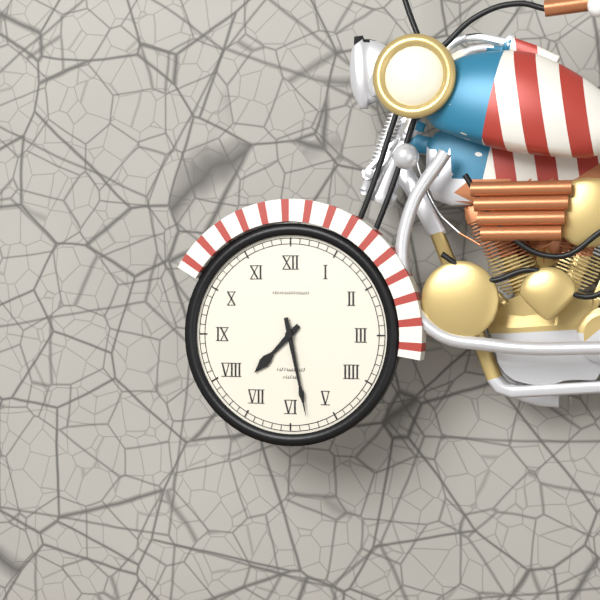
7 h 28 min
